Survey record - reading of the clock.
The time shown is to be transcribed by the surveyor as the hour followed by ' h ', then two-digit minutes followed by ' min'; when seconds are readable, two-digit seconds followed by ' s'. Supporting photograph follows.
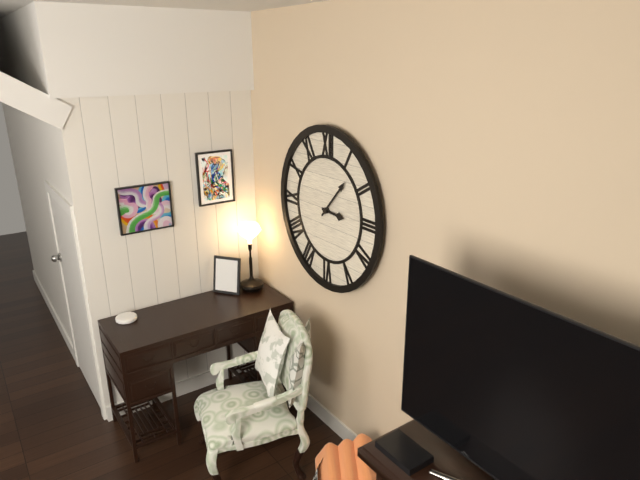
3 h 07 min
